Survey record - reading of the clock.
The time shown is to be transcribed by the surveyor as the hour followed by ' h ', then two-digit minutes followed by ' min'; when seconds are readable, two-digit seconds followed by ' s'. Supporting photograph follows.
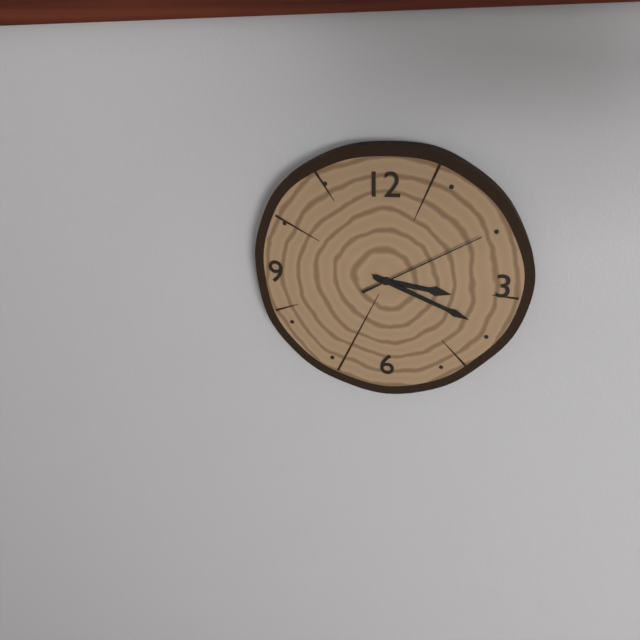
3 h 19 min 10 s
